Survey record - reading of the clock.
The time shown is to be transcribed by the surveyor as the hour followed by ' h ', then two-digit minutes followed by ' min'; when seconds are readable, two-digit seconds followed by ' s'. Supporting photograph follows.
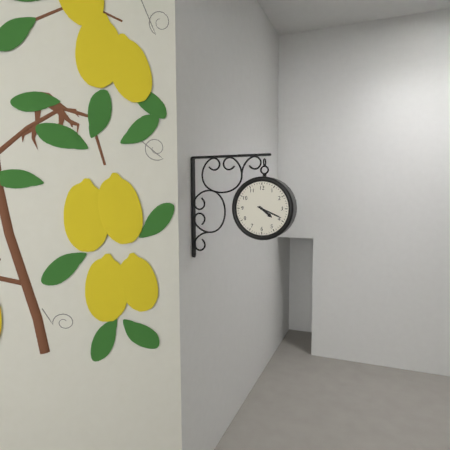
4 h 19 min
